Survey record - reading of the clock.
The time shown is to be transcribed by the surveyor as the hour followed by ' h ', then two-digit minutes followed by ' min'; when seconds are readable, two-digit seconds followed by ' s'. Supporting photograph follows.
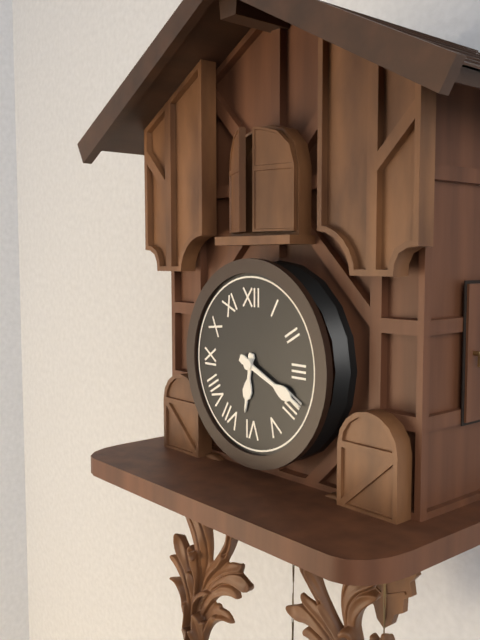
6 h 19 min
